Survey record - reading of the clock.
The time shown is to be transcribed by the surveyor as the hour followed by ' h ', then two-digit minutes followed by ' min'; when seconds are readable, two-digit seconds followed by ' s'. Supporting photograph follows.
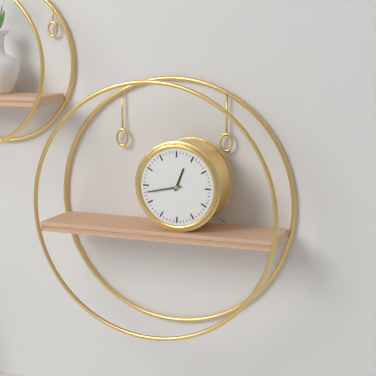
12 h 43 min
